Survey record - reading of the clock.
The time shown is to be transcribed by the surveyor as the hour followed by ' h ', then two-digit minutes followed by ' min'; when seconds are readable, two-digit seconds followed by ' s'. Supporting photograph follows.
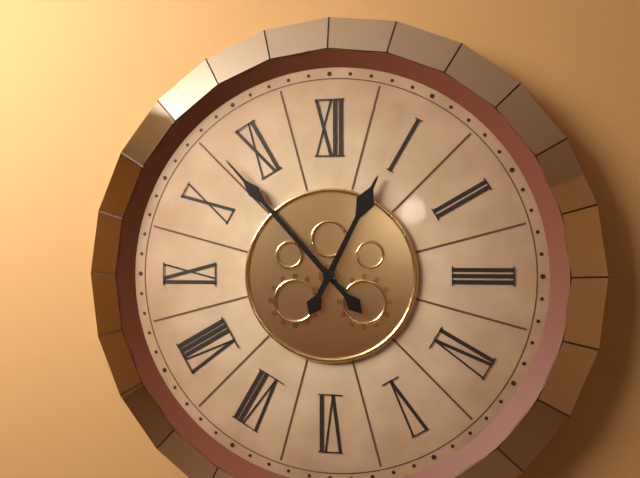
12 h 53 min
